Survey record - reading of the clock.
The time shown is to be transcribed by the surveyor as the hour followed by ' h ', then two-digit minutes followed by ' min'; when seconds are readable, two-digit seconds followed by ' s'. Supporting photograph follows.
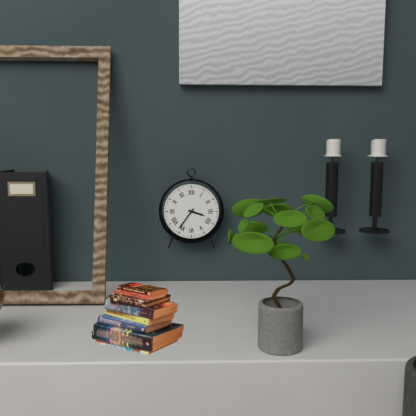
3 h 36 min
